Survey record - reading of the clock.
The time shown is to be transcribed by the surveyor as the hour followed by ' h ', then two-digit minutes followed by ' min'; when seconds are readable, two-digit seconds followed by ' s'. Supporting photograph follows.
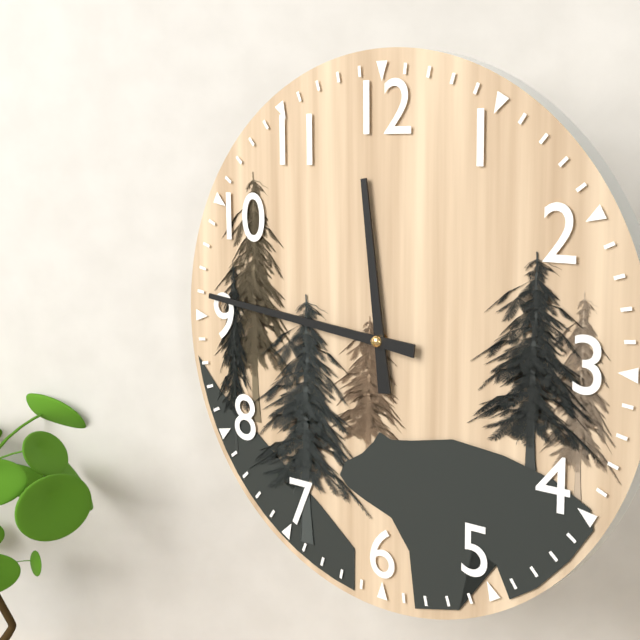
11 h 46 min
